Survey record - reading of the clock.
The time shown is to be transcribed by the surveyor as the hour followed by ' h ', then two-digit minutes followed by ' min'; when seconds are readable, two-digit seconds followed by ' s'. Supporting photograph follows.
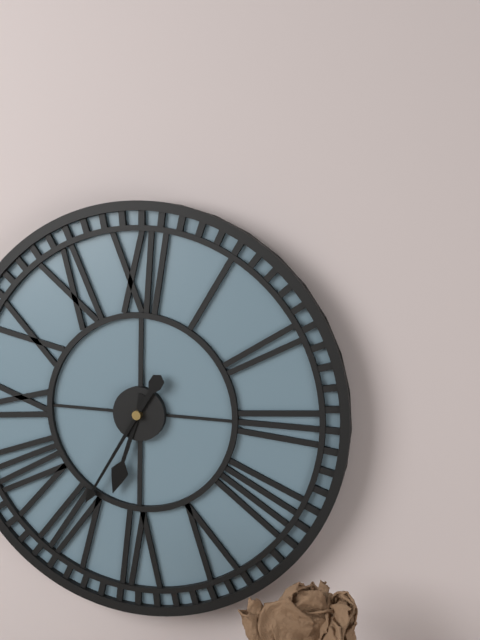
6 h 35 min
